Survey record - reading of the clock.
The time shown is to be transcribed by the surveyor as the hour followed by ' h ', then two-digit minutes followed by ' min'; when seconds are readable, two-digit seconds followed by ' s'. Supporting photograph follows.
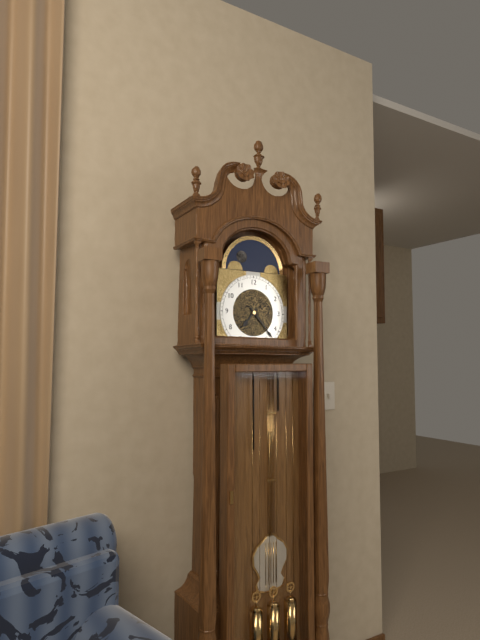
7 h 23 min
